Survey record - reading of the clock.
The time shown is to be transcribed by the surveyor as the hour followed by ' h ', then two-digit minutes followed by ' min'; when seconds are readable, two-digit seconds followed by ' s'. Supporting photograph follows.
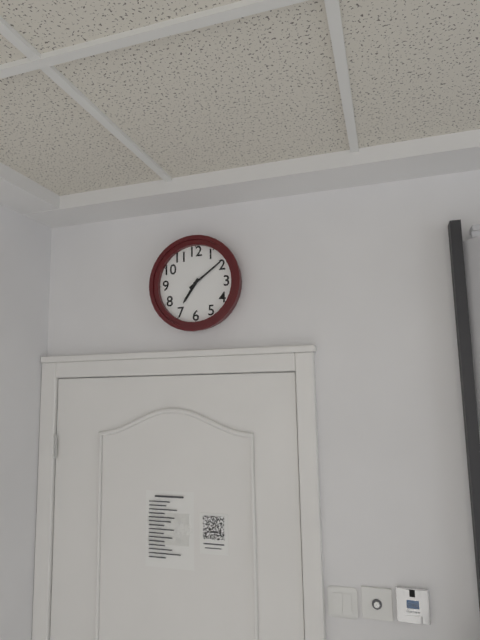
7 h 09 min
